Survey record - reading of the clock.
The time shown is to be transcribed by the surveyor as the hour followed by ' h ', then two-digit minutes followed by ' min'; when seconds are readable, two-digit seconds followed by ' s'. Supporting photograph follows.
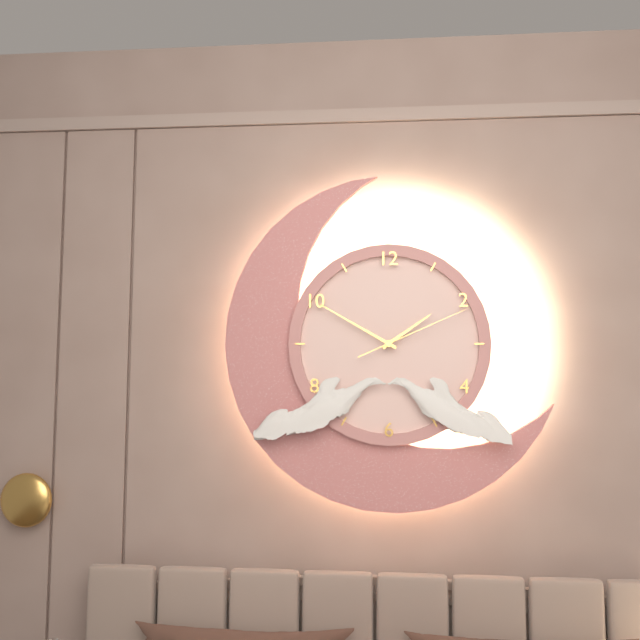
1 h 50 min 11 s
